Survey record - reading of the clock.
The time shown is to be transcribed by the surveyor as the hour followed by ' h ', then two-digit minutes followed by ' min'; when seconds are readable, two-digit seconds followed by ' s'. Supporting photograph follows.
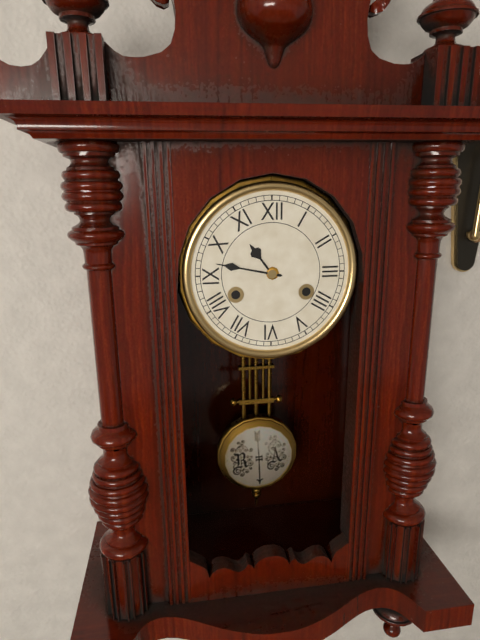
10 h 47 min
